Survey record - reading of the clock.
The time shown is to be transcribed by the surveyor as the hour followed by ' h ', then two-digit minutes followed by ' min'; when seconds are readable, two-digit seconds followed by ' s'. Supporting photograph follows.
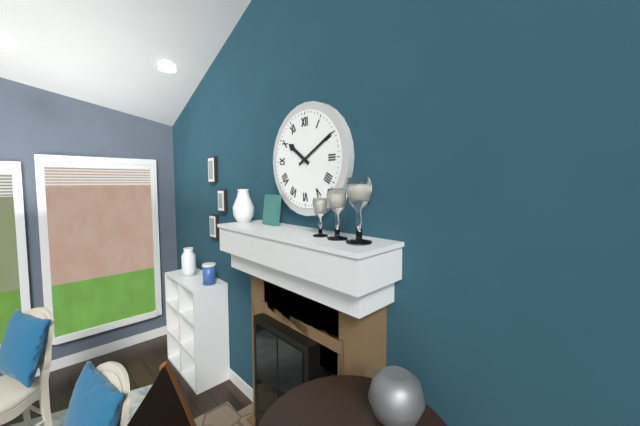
10 h 10 min
